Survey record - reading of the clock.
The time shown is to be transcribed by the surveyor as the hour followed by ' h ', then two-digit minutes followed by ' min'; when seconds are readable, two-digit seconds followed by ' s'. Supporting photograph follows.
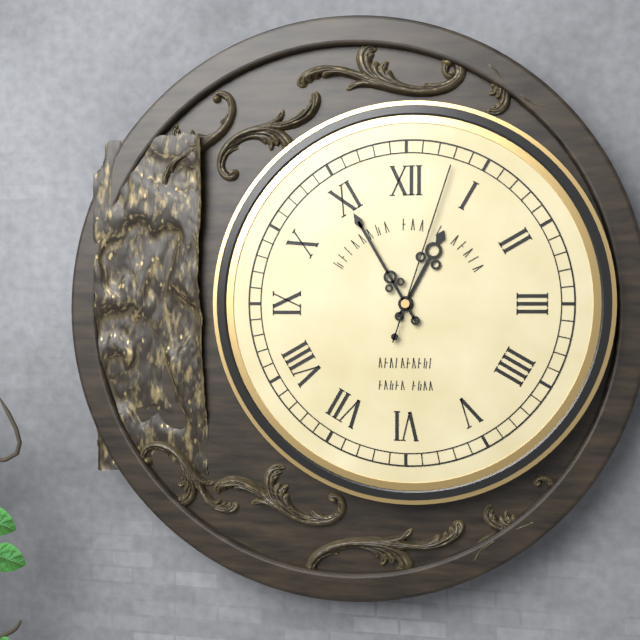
12 h 55 min 03 s
